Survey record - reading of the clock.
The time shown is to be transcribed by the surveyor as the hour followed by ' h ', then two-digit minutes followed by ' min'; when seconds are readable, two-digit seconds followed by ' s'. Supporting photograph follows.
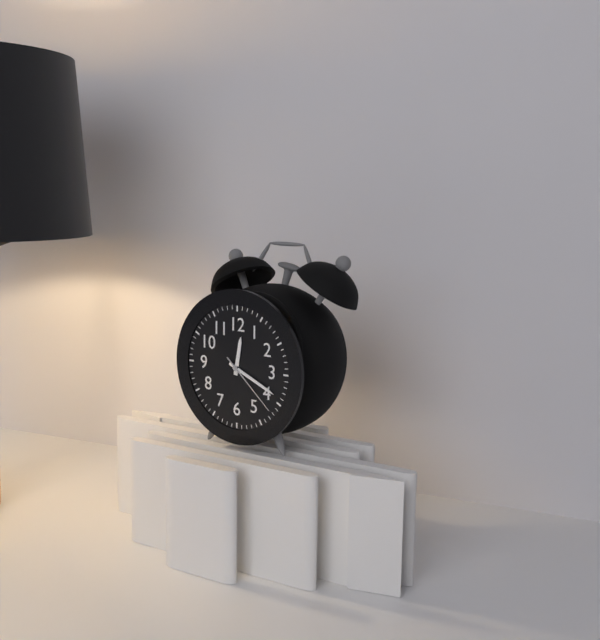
12 h 19 min 22 s
